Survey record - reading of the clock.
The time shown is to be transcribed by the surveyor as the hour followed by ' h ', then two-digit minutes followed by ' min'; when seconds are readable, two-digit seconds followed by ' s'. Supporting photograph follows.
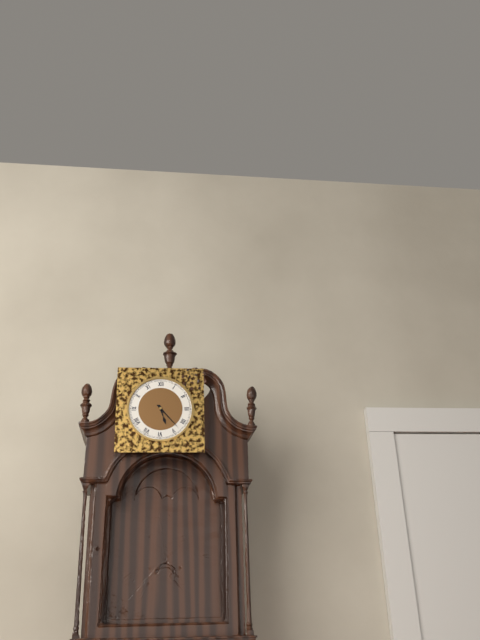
5 h 23 min
